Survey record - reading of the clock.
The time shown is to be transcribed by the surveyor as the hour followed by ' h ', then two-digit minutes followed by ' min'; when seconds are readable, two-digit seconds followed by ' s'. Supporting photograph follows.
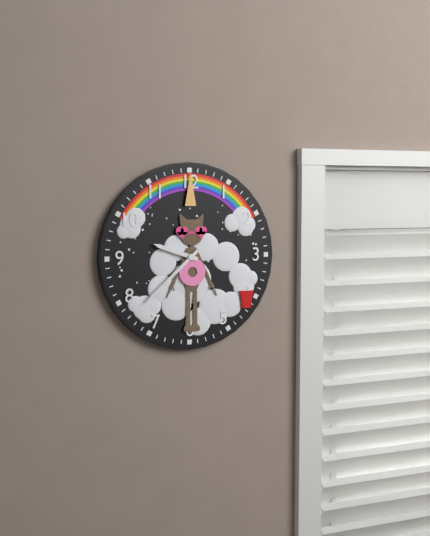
9 h 38 min
